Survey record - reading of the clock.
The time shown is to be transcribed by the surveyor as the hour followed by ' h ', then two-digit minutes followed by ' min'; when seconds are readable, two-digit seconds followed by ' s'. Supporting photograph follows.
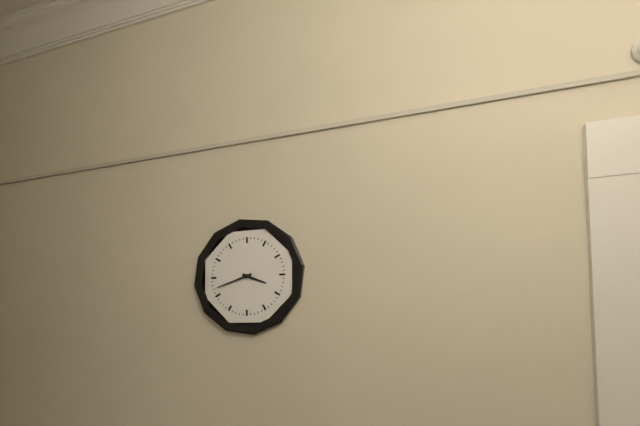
3 h 42 min
